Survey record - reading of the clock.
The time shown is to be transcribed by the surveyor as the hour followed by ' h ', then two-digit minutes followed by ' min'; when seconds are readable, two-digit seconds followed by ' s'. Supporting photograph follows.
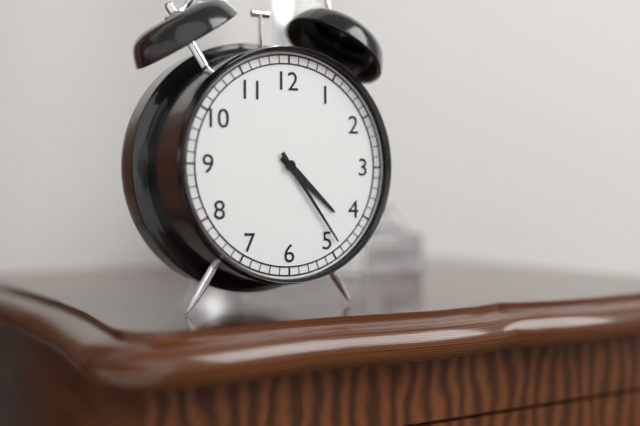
4 h 24 min
